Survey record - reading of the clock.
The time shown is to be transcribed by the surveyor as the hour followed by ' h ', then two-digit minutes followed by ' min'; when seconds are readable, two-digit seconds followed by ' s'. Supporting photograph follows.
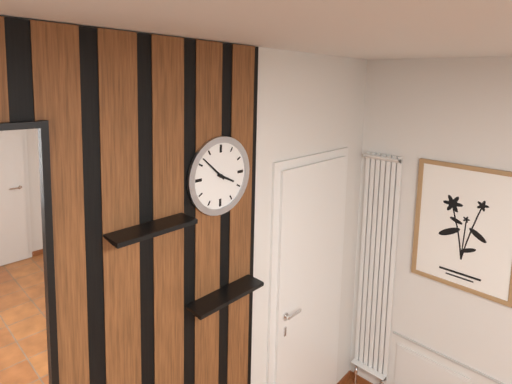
3 h 52 min
